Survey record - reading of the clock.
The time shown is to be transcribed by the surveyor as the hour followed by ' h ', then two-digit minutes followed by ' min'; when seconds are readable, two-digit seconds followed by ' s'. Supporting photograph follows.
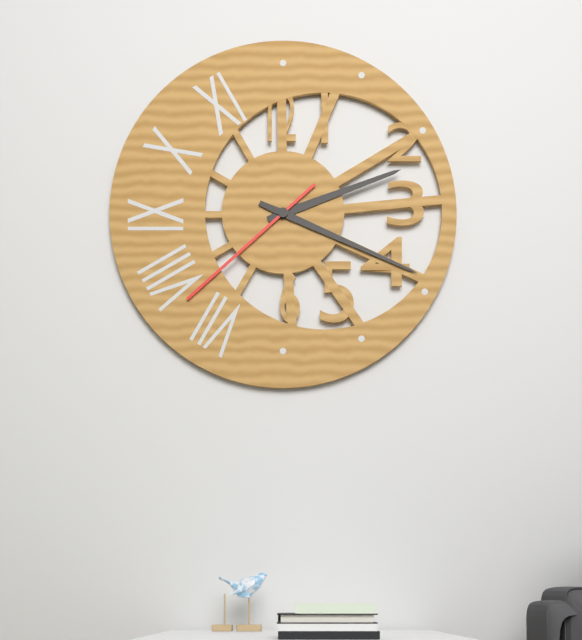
2 h 19 min 38 s
